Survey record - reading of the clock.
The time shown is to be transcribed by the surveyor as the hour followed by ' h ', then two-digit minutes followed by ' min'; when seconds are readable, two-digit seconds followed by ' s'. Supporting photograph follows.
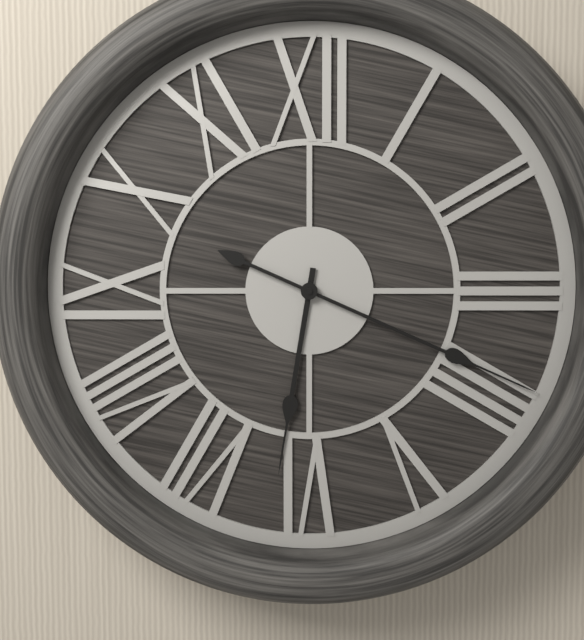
6 h 19 min
